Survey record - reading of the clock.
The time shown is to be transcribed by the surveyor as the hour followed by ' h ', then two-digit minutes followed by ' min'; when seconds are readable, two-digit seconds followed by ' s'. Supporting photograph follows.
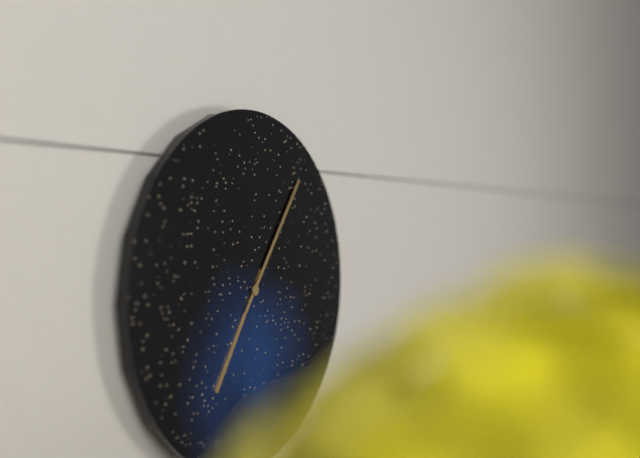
7 h 06 min
